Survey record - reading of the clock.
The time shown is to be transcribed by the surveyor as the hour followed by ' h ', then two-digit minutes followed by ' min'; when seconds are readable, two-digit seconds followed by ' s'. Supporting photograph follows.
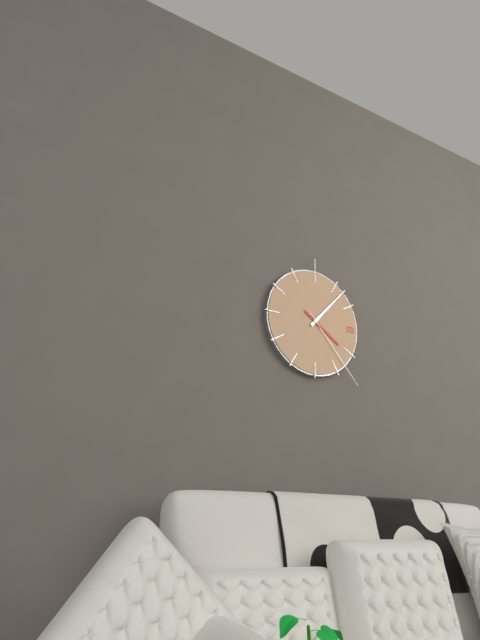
4 h 07 min 23 s
